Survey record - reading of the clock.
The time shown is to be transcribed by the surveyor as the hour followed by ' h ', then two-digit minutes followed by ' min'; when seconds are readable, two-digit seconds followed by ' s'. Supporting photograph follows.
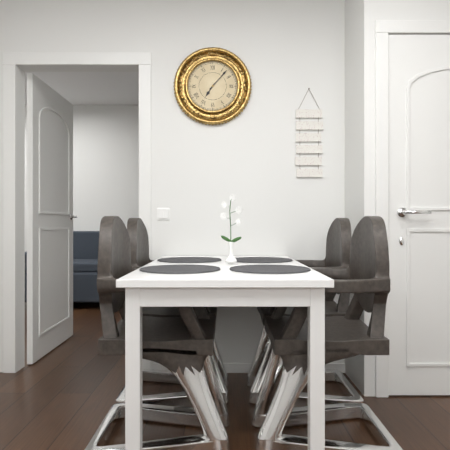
7 h 07 min
